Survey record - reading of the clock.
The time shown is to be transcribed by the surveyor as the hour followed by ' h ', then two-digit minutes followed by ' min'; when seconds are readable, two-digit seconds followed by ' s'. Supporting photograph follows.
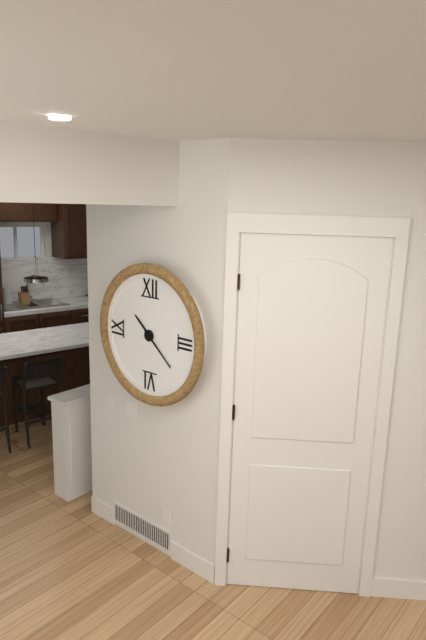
10 h 22 min
